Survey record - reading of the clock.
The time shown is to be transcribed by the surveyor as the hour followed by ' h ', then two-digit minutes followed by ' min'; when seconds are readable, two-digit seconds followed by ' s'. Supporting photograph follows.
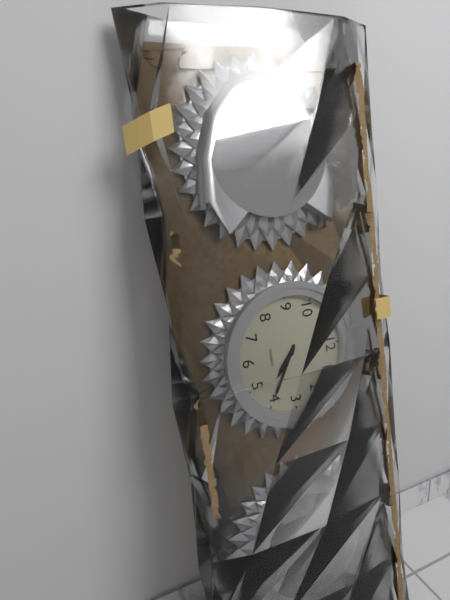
4 h 20 min
